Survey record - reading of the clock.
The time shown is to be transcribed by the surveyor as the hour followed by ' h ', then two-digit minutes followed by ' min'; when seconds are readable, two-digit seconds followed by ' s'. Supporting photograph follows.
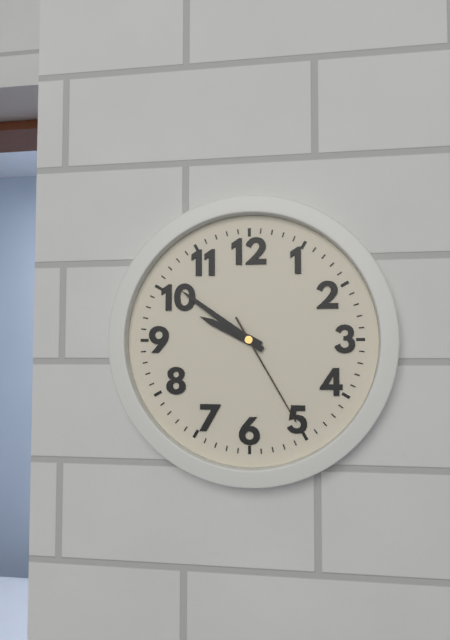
9 h 51 min 25 s
